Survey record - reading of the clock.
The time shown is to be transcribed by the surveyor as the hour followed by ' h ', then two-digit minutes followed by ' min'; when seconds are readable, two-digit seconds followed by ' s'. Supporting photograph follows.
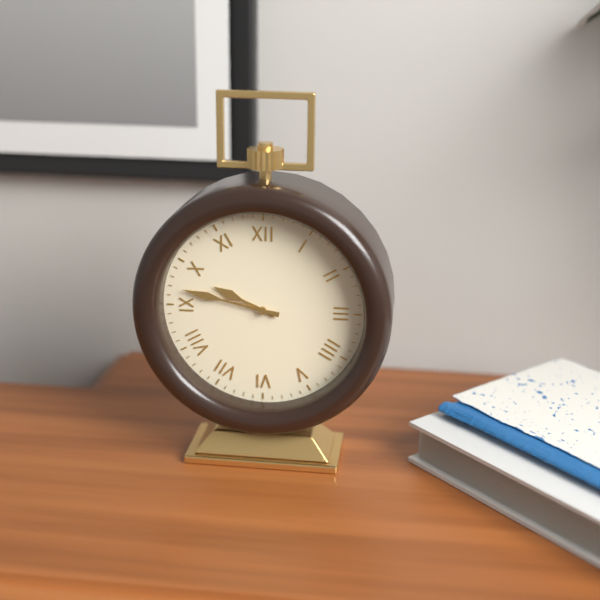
9 h 47 min
